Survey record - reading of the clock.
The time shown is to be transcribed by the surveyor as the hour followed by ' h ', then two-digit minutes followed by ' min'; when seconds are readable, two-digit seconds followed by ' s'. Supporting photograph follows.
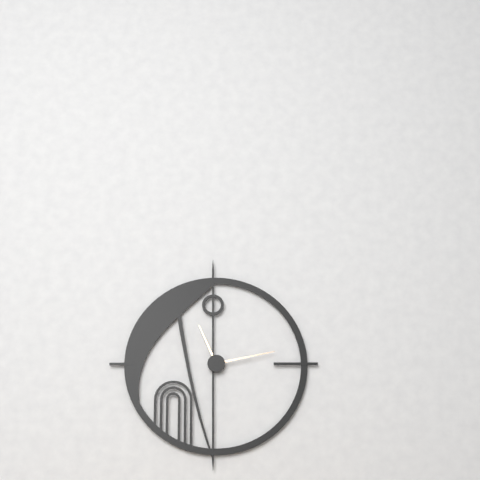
11 h 13 min
